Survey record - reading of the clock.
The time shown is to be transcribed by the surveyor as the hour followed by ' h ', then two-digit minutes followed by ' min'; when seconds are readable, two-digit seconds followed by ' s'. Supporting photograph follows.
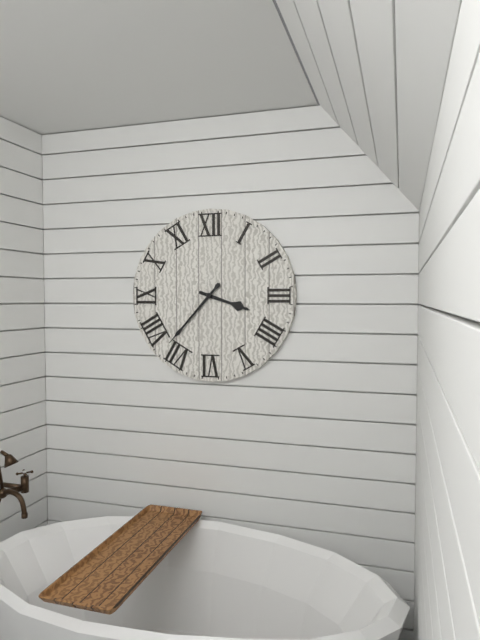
3 h 37 min
